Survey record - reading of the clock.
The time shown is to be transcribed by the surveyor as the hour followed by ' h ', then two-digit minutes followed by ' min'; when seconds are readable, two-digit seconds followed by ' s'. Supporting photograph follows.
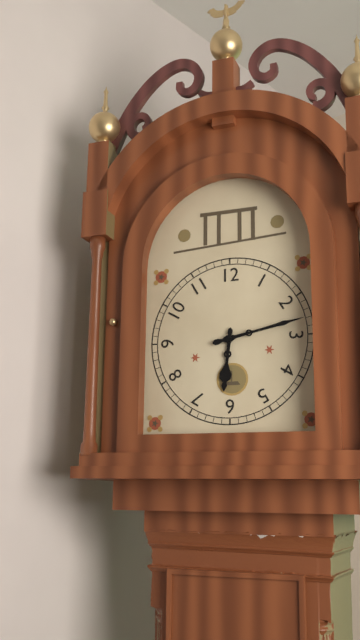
6 h 13 min
